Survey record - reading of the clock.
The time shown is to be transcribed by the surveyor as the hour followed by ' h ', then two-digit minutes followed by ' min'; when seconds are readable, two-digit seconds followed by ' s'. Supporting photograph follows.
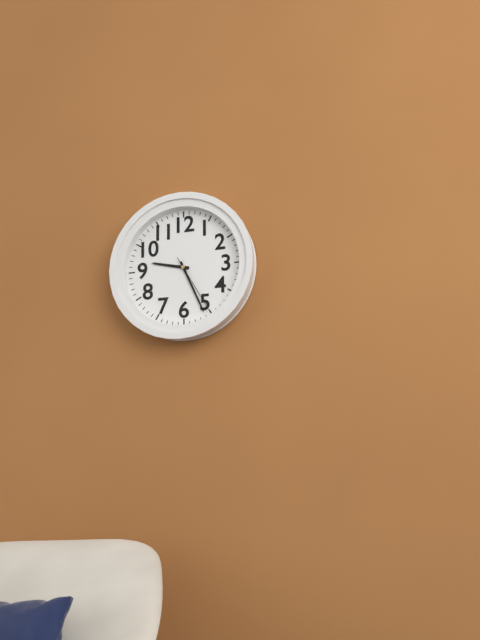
9 h 26 min 25 s
